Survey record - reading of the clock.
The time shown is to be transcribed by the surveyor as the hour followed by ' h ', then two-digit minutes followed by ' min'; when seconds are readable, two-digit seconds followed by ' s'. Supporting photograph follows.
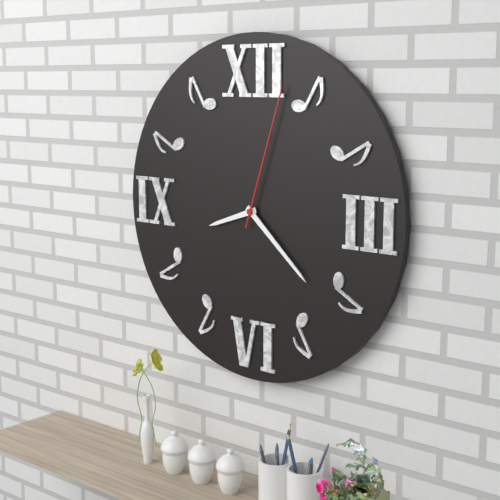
8 h 22 min 03 s
